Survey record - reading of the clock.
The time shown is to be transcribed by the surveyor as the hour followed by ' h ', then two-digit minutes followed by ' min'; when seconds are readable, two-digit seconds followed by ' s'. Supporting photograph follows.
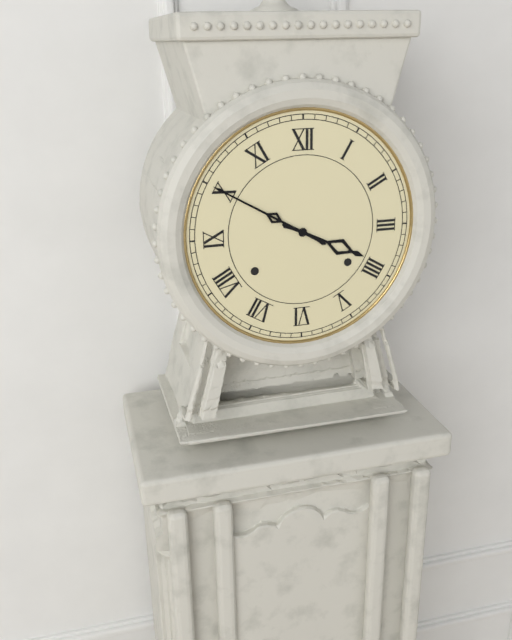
3 h 50 min
